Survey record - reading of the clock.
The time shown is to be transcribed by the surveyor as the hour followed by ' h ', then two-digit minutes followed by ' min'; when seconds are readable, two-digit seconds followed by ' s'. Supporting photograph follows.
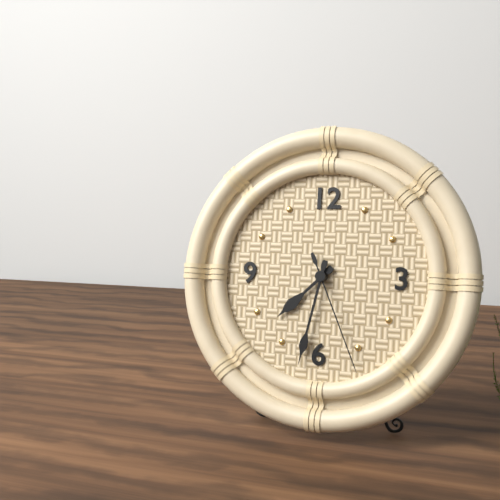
7 h 32 min 26 s
